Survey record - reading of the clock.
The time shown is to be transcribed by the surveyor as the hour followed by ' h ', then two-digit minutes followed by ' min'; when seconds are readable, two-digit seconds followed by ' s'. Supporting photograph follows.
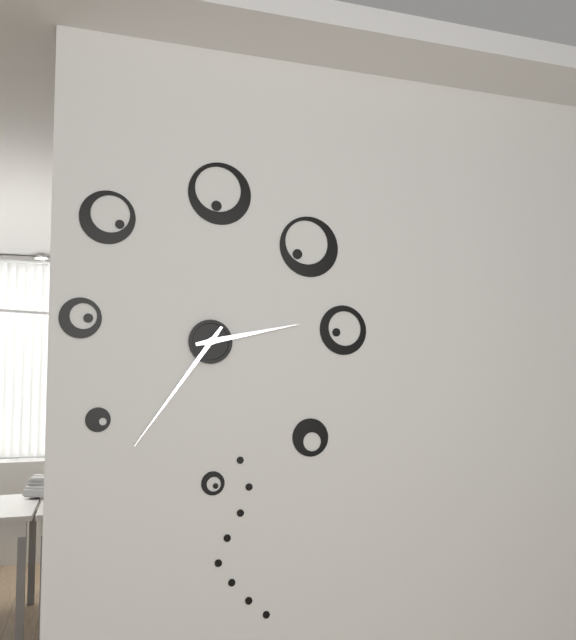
2 h 36 min
